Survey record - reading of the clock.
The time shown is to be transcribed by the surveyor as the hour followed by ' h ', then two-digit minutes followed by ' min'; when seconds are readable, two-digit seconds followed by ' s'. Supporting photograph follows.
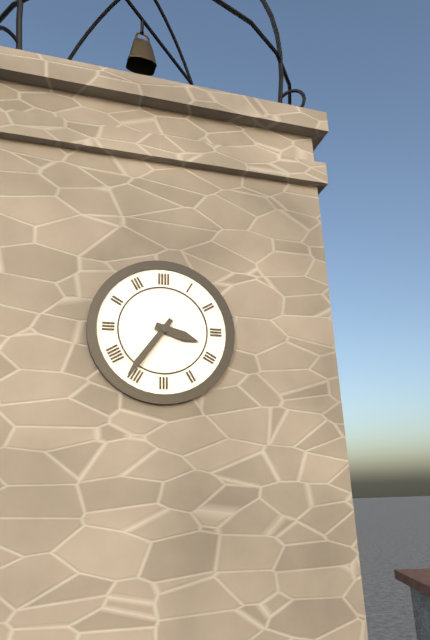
3 h 36 min
